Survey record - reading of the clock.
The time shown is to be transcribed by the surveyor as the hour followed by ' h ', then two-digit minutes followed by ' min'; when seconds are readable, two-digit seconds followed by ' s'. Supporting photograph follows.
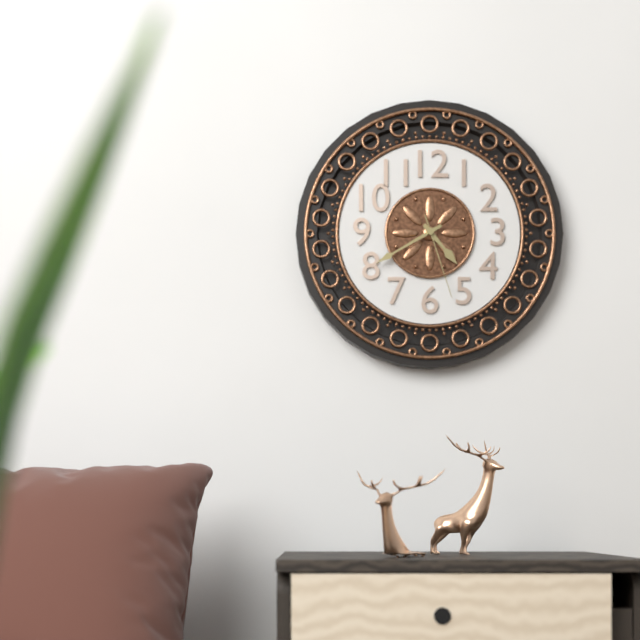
4 h 40 min 27 s
